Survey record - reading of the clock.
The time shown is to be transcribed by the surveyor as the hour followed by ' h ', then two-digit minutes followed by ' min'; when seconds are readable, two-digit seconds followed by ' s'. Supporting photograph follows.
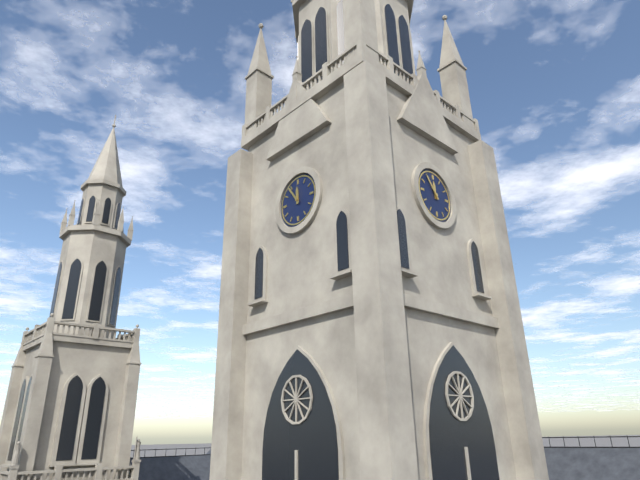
11 h 54 min
